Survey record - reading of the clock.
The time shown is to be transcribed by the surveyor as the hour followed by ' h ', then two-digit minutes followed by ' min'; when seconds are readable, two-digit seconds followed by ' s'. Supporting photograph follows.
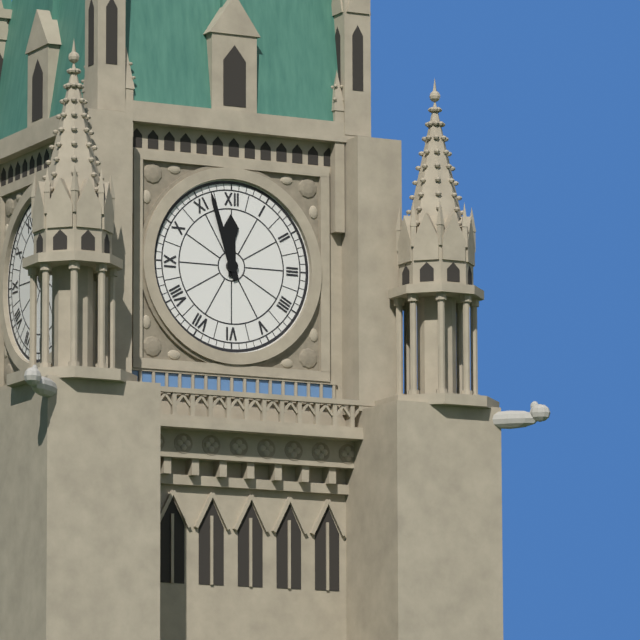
11 h 57 min
